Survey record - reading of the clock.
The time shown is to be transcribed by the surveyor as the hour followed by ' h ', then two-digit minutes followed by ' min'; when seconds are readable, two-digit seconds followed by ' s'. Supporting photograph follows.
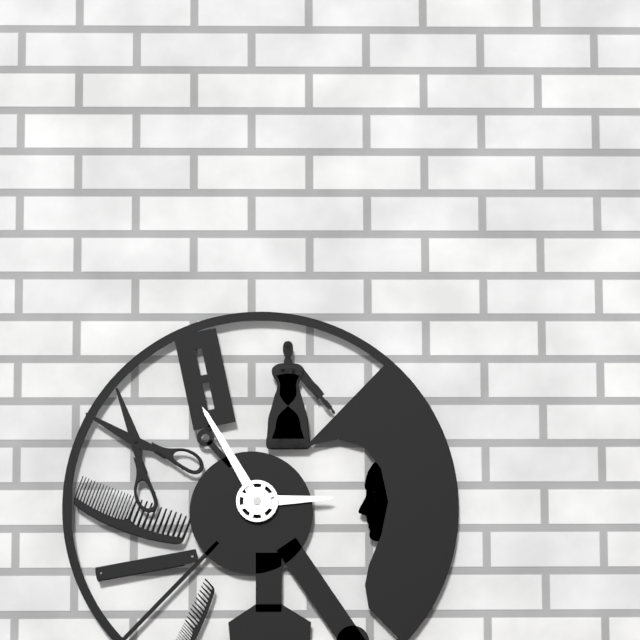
2 h 55 min
